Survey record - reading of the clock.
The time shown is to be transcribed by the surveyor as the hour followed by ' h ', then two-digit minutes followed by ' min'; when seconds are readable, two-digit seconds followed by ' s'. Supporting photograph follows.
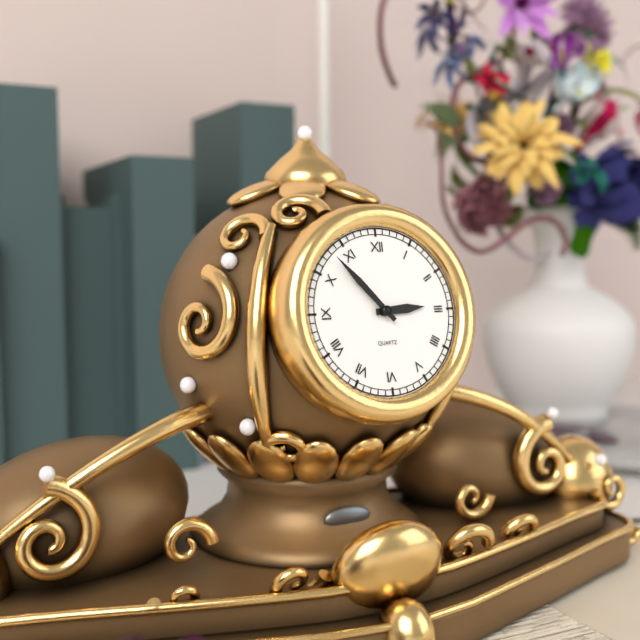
2 h 53 min
